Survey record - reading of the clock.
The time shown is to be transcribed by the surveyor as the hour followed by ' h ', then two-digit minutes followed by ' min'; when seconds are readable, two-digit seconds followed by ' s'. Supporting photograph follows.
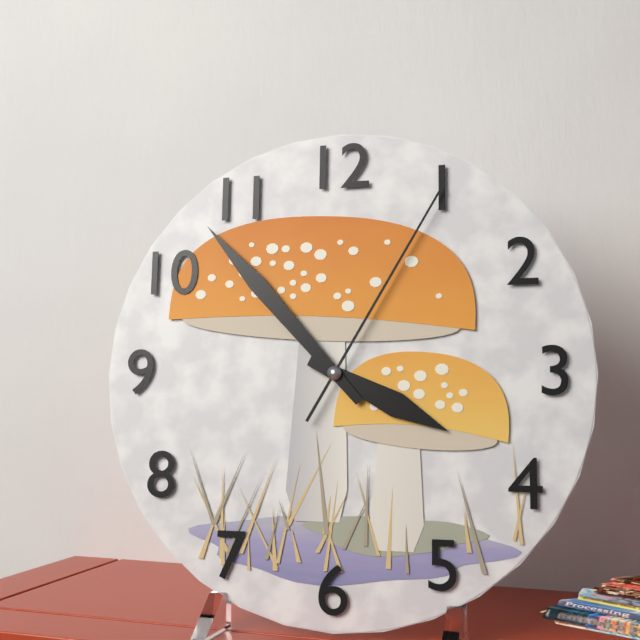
3 h 53 min 05 s
